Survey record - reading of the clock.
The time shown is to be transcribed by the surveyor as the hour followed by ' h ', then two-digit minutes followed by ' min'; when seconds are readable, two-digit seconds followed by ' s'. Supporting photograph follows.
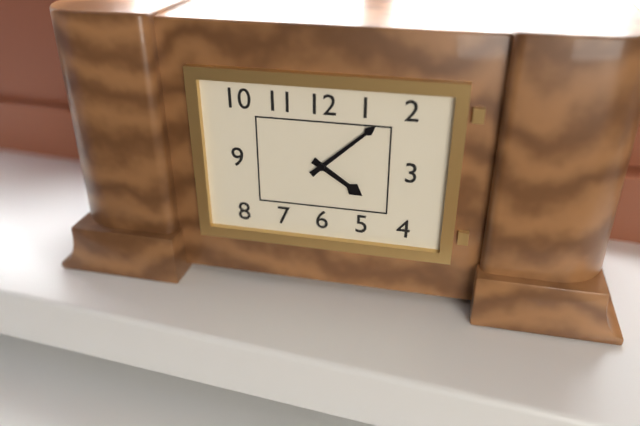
4 h 08 min
